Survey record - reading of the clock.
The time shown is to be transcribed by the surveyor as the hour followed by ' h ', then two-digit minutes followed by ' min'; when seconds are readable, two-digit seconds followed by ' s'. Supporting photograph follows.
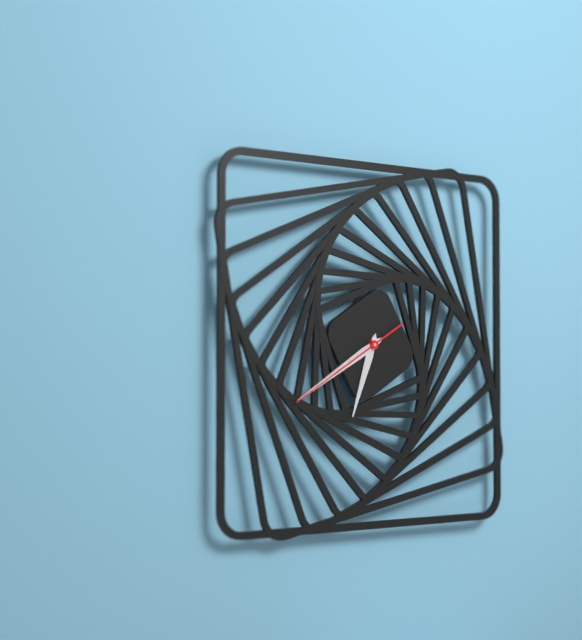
6 h 40 min 40 s
